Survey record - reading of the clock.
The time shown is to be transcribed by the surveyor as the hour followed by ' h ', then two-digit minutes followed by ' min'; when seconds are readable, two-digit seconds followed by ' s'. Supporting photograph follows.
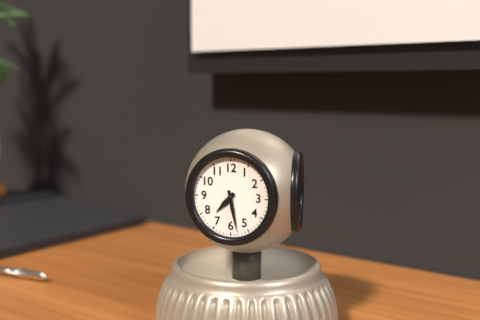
7 h 28 min
